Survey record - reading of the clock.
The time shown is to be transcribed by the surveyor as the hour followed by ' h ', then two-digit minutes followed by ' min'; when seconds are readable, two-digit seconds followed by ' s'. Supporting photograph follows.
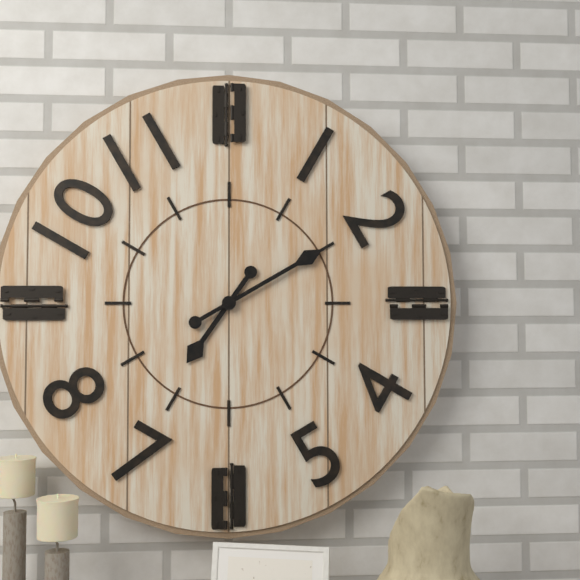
7 h 10 min
